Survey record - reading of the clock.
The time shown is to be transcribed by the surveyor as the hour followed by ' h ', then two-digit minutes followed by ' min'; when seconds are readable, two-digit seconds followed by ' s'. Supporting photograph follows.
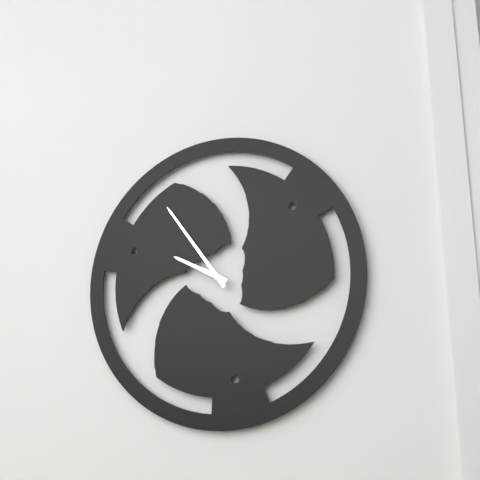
9 h 54 min
